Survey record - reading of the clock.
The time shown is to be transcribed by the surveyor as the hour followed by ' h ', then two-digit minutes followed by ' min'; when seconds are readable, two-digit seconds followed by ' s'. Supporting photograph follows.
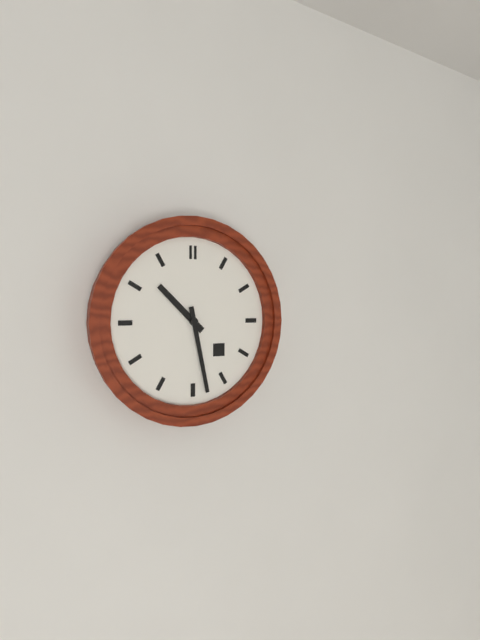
10 h 28 min
